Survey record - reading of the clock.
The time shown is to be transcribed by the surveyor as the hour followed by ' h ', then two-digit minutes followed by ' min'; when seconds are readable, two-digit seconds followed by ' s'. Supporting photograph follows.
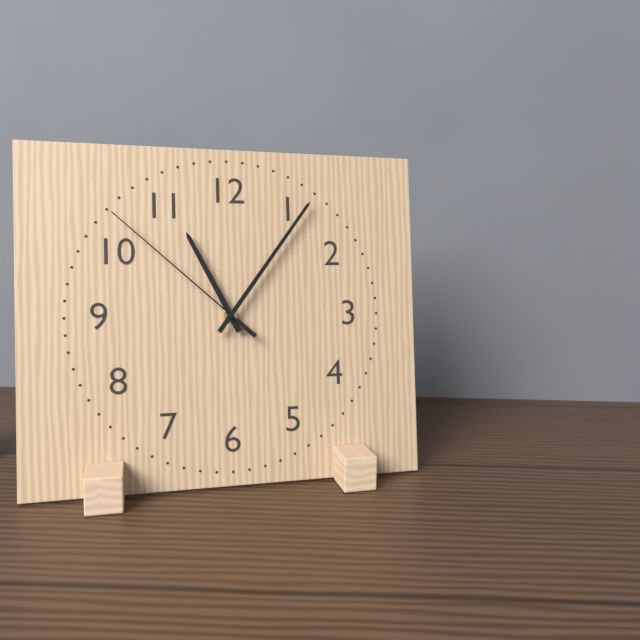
11 h 06 min 52 s
